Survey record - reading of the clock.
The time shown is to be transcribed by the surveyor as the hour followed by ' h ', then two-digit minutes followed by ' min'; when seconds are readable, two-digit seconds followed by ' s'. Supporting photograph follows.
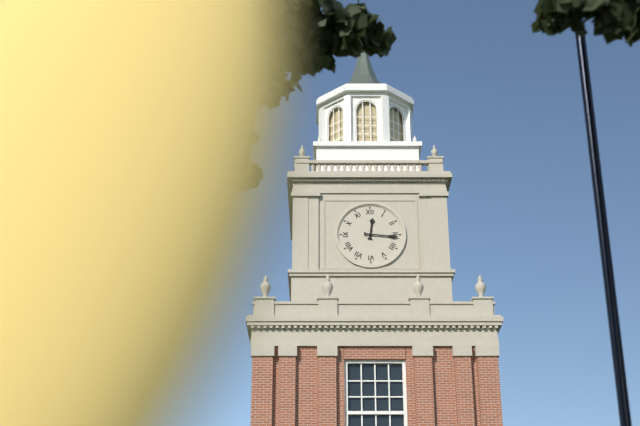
12 h 16 min
